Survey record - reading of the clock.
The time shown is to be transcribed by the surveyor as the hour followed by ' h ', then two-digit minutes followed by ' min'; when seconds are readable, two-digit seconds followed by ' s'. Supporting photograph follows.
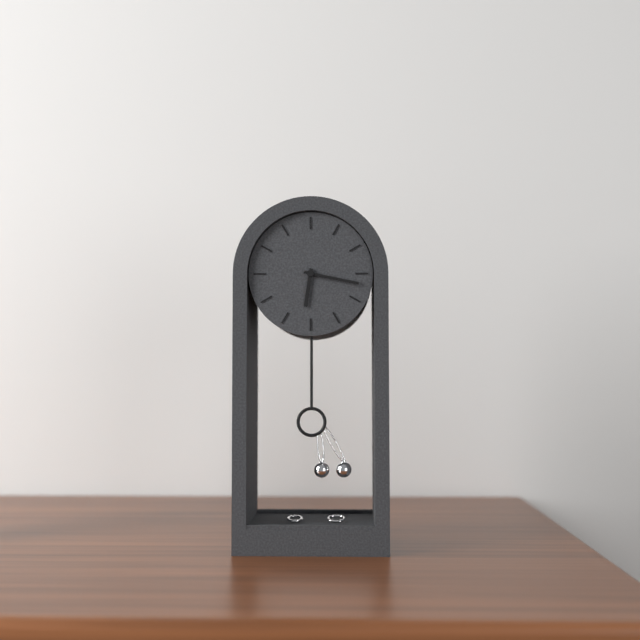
6 h 17 min
